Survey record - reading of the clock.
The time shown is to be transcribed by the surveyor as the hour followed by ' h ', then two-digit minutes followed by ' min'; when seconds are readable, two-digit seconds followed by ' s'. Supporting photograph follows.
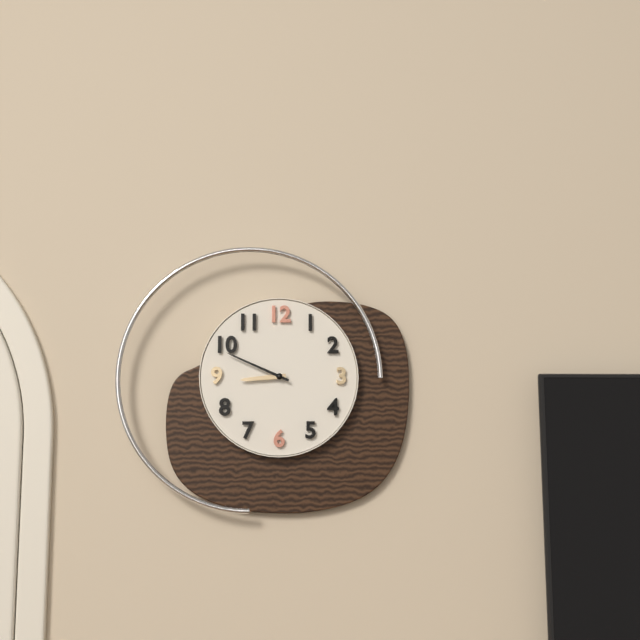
8 h 49 min
